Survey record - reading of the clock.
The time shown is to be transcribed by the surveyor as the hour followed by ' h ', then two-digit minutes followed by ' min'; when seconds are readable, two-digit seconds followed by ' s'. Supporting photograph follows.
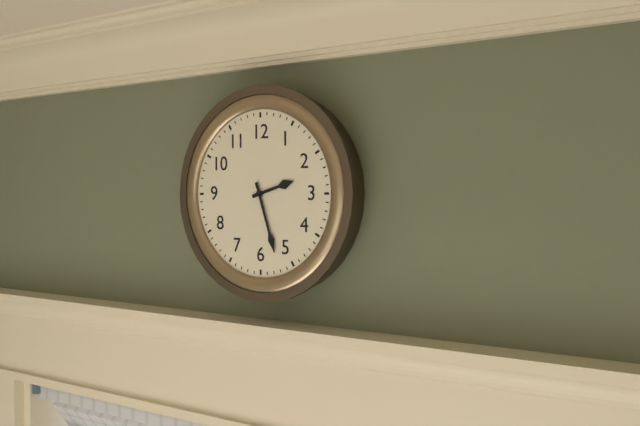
2 h 27 min
